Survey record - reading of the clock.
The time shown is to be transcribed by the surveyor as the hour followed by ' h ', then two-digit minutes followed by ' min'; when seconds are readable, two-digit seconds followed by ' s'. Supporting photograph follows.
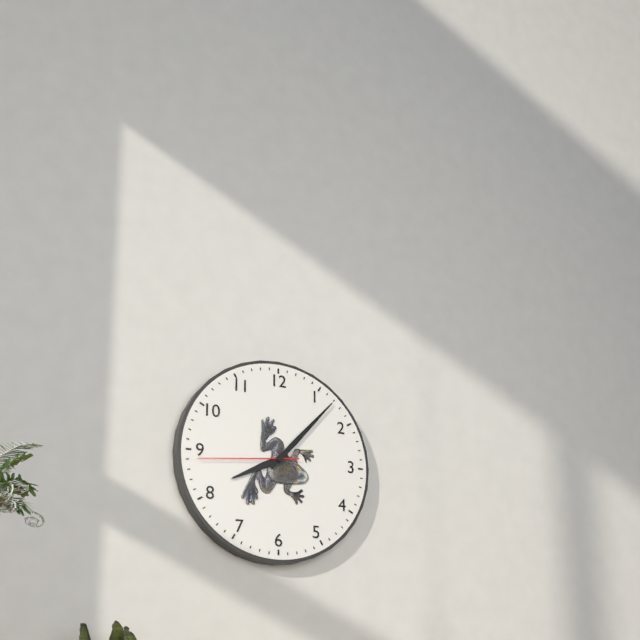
8 h 07 min 44 s
